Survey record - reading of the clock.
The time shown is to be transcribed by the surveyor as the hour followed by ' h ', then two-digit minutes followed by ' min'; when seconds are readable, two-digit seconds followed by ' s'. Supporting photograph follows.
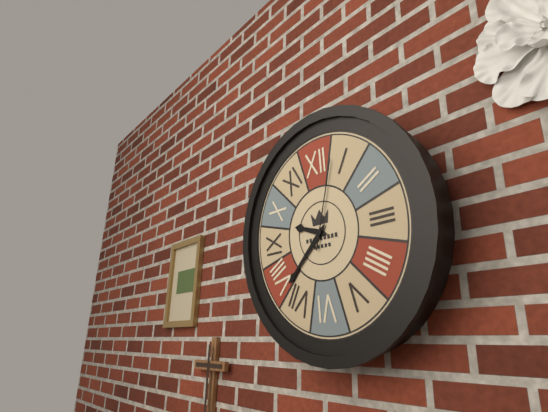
9 h 38 min 03 s
